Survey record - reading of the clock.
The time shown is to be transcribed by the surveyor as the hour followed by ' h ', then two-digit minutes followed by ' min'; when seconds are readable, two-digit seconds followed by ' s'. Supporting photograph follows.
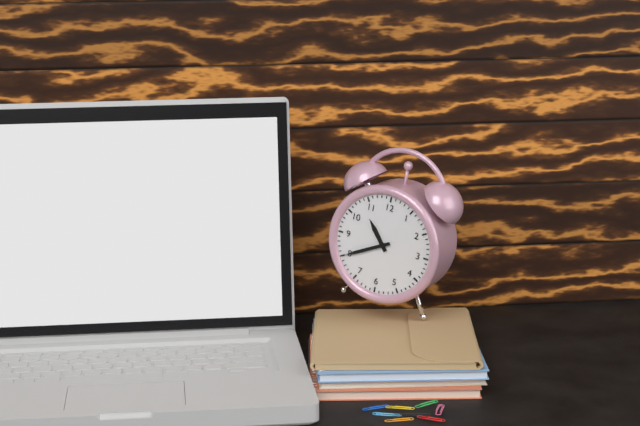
10 h 40 min
